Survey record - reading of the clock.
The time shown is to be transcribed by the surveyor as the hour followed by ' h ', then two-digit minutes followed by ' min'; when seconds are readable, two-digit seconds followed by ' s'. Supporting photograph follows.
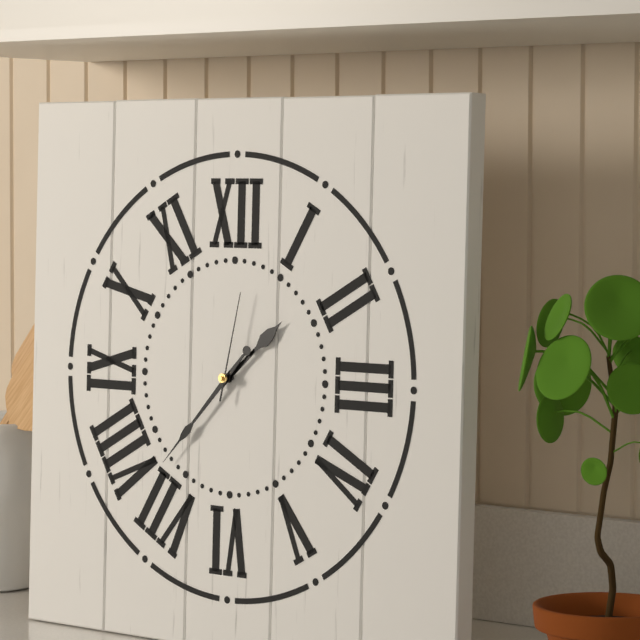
1 h 37 min 02 s
